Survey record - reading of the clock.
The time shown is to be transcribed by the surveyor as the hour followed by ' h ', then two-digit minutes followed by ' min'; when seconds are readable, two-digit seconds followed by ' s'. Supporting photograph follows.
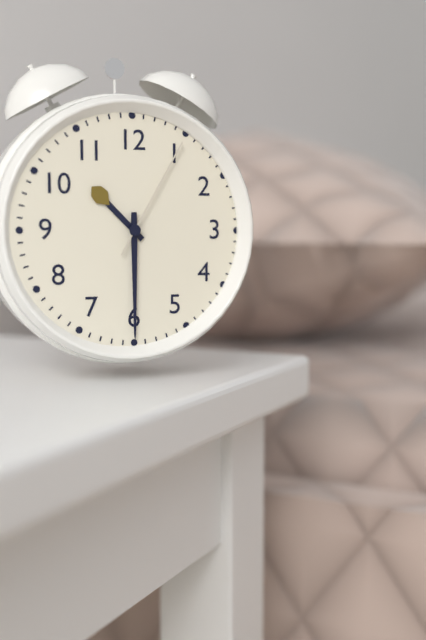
10 h 30 min 05 s
